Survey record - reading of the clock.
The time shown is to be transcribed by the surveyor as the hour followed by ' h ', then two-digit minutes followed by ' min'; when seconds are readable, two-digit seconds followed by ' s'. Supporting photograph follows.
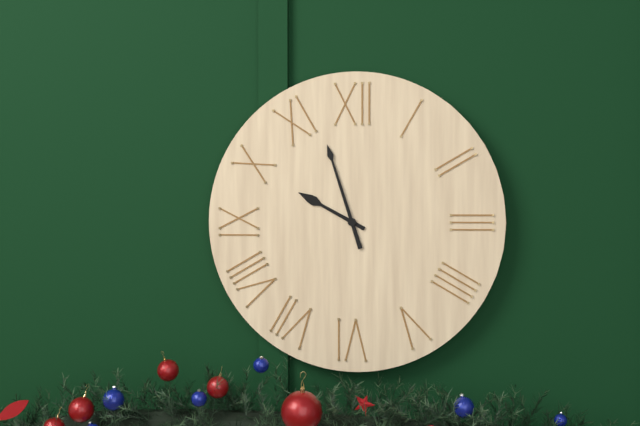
9 h 57 min
